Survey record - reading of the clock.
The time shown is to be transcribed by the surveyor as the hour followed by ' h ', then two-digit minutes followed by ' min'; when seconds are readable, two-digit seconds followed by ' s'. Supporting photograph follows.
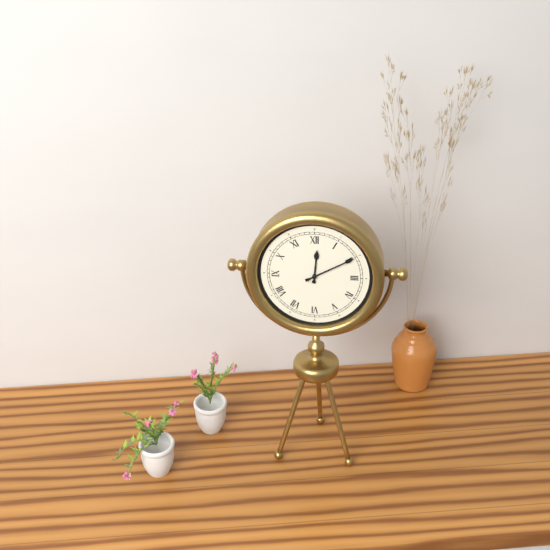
12 h 10 min
